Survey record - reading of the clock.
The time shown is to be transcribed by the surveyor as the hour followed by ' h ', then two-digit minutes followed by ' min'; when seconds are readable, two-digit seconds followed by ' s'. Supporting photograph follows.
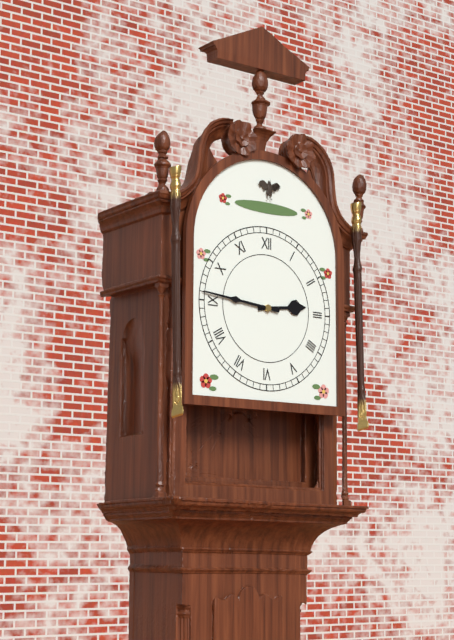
2 h 46 min
